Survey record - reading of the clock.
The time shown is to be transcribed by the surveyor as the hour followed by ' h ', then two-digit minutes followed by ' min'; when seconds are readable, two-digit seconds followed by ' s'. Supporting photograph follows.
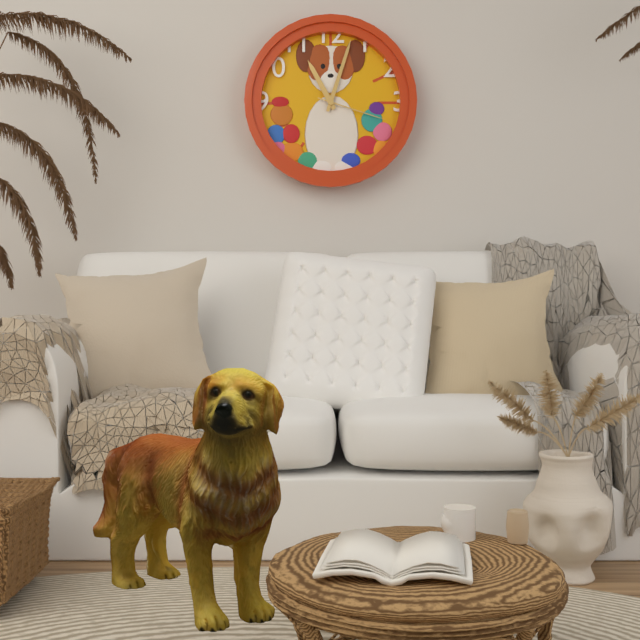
11 h 03 min 18 s
